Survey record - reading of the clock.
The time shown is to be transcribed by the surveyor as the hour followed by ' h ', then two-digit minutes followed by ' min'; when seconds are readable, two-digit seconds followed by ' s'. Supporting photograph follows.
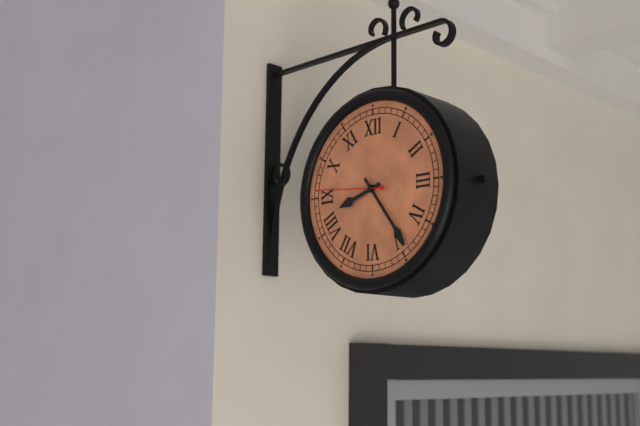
8 h 24 min 46 s
